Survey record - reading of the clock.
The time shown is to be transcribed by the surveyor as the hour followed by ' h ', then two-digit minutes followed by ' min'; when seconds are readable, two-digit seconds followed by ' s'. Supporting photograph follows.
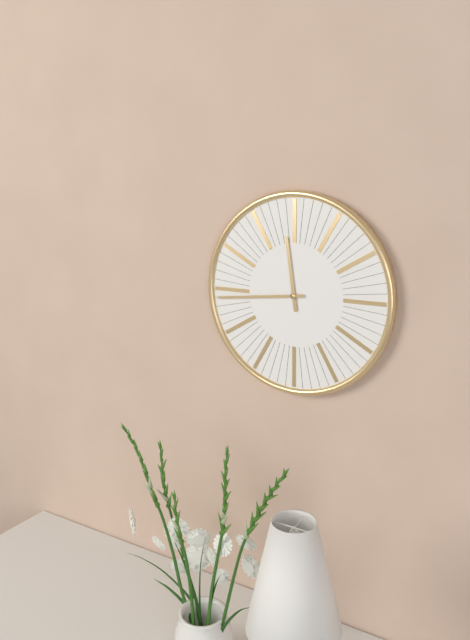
11 h 44 min
